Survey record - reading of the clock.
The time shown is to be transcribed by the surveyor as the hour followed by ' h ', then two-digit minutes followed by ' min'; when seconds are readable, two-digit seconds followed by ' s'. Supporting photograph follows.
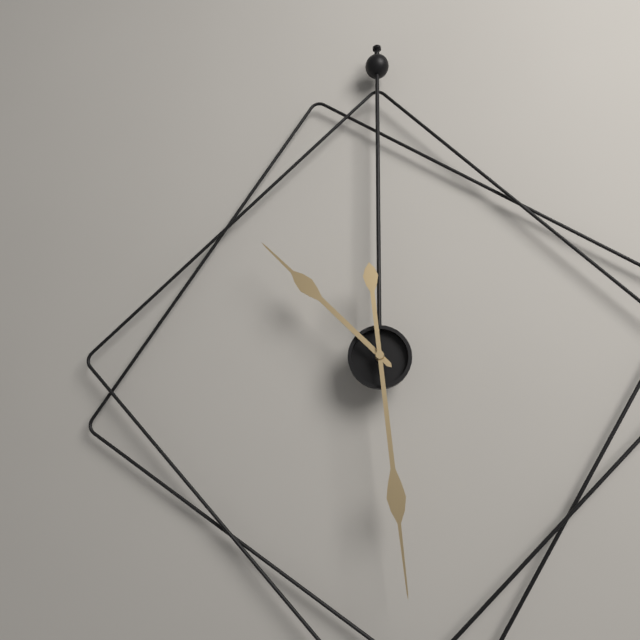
10 h 29 min
